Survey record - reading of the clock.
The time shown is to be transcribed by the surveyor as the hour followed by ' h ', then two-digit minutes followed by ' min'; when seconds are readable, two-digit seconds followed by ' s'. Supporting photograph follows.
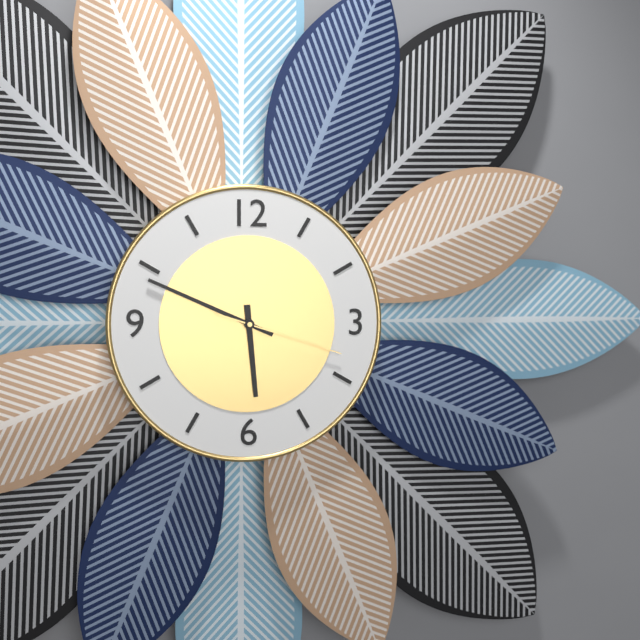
5 h 49 min 18 s
